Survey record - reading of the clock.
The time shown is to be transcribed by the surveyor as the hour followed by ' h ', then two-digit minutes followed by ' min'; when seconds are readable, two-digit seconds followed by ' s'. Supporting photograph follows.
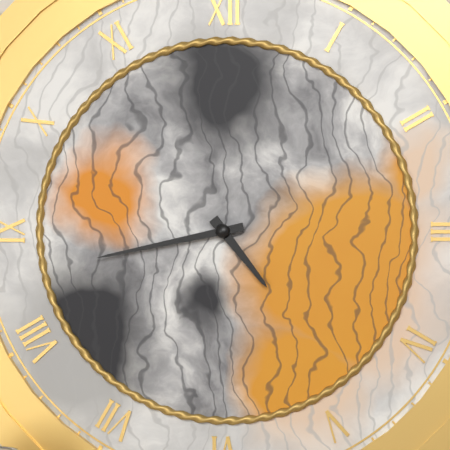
4 h 43 min
